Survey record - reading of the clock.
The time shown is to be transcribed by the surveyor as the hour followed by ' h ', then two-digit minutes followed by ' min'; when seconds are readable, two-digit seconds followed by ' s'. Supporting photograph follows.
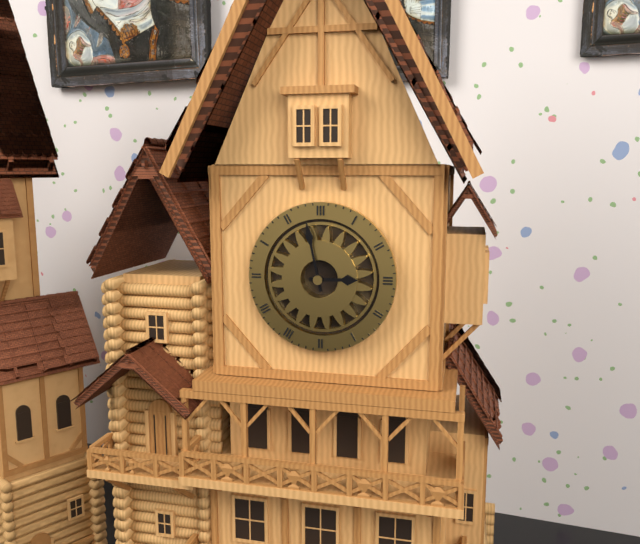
2 h 58 min
